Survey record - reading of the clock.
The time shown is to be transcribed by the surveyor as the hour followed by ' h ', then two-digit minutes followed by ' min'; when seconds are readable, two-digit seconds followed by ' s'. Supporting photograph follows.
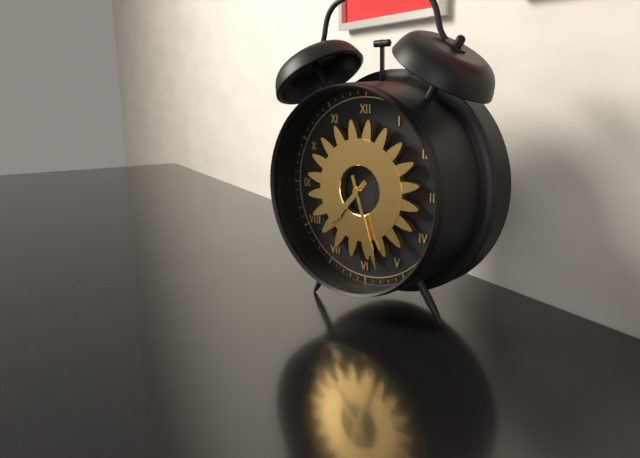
7 h 27 min
